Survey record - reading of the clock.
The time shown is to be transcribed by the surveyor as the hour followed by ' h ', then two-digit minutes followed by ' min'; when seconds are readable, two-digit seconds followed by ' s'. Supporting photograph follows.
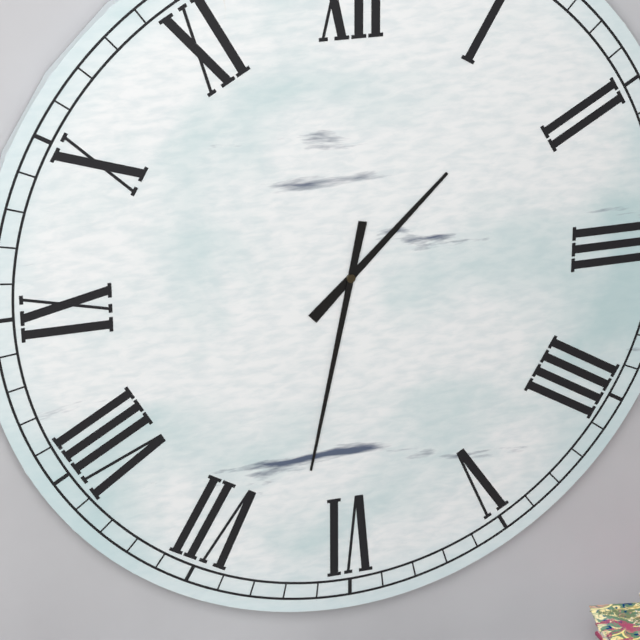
1 h 32 min
